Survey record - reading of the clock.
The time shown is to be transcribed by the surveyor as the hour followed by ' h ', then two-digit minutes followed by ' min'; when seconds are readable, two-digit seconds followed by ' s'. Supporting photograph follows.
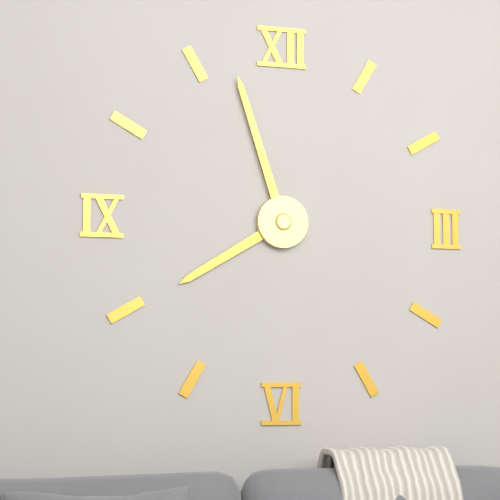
7 h 57 min
